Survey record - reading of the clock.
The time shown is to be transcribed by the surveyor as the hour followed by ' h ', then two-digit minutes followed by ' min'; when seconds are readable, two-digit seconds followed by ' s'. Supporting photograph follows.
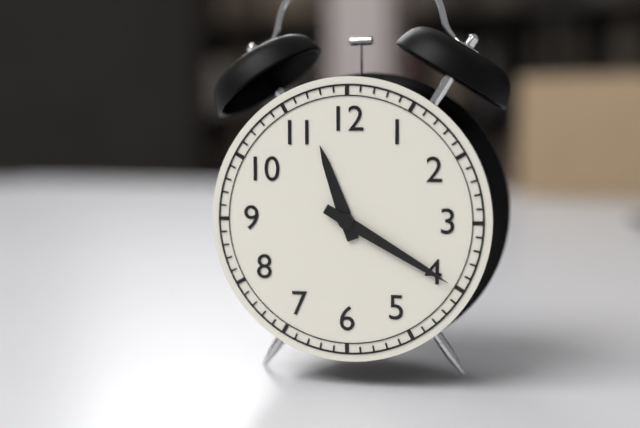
11 h 20 min
